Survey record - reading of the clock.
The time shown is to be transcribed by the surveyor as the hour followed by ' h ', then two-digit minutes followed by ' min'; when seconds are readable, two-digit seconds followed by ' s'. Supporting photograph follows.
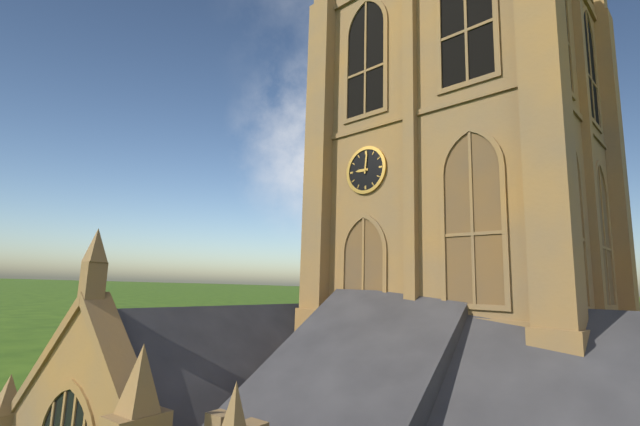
9 h 01 min
